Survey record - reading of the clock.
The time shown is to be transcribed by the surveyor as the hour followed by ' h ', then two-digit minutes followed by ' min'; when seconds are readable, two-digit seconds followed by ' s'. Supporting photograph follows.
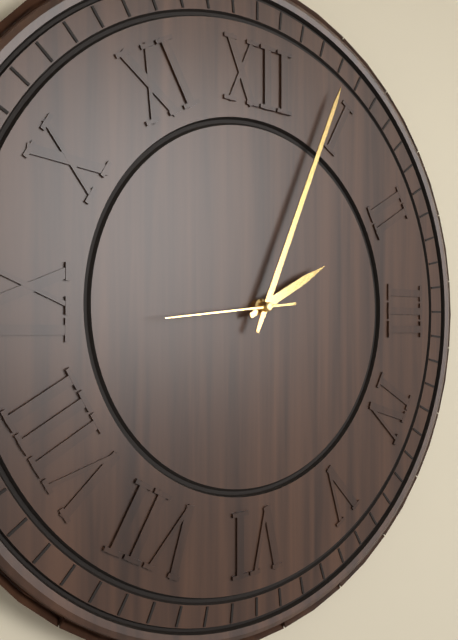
2 h 04 min 44 s
